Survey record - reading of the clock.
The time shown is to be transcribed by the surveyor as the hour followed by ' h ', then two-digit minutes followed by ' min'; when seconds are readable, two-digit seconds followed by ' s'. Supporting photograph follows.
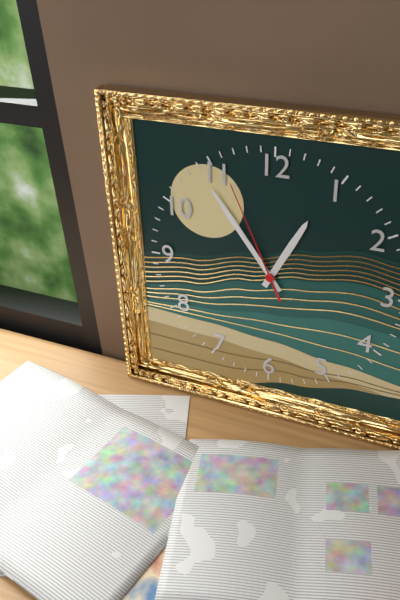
12 h 54 min 56 s
